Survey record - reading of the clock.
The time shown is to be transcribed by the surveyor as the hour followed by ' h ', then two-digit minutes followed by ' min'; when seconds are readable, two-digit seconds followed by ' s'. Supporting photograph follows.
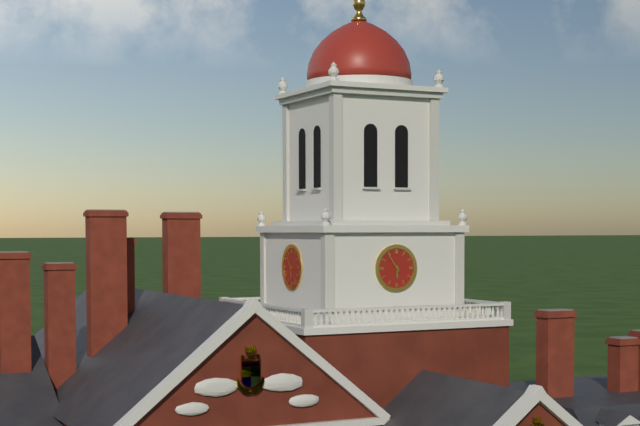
5 h 54 min
